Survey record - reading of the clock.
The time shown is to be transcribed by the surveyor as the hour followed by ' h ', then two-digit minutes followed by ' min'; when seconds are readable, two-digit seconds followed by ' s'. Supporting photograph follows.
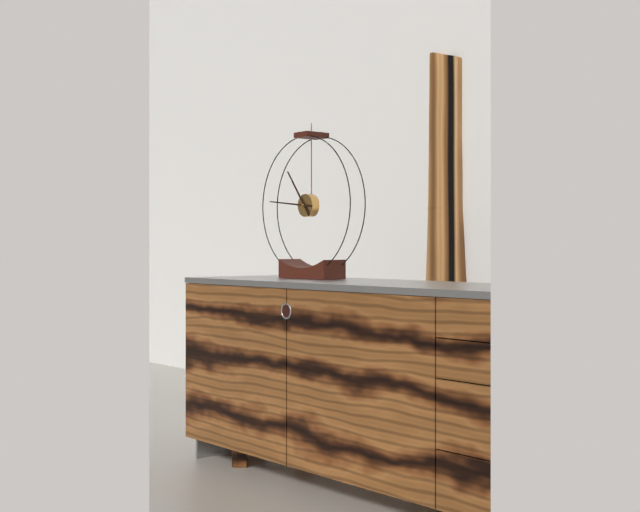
10 h 46 min
